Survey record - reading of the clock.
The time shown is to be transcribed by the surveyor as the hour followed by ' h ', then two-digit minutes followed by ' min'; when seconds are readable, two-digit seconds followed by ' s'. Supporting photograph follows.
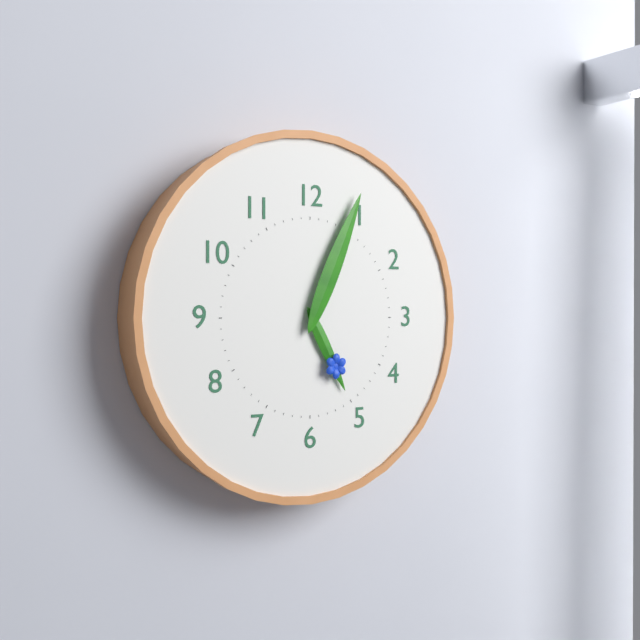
5 h 04 min
